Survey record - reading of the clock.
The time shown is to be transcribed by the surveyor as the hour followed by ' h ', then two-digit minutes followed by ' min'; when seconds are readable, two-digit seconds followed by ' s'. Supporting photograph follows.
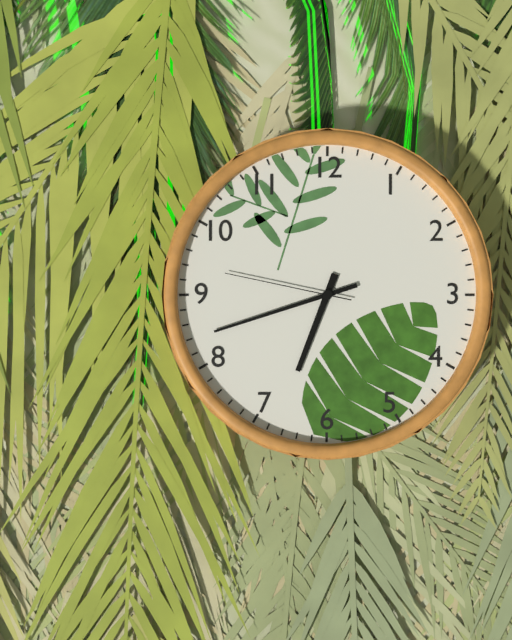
6 h 42 min 47 s
